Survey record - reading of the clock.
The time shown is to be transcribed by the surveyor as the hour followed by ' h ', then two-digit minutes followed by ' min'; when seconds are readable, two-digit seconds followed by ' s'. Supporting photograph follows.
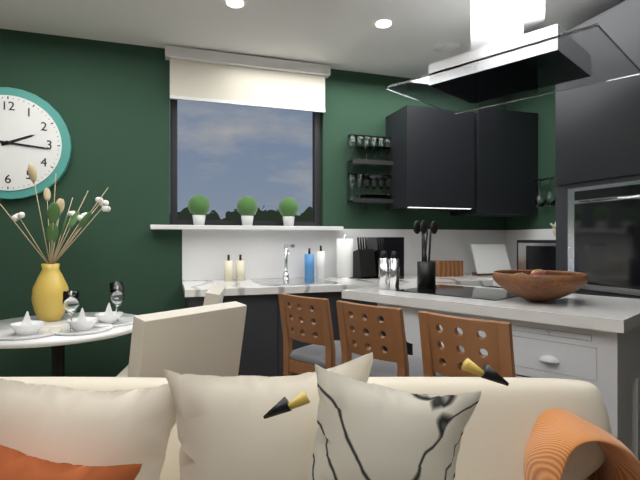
2 h 16 min
